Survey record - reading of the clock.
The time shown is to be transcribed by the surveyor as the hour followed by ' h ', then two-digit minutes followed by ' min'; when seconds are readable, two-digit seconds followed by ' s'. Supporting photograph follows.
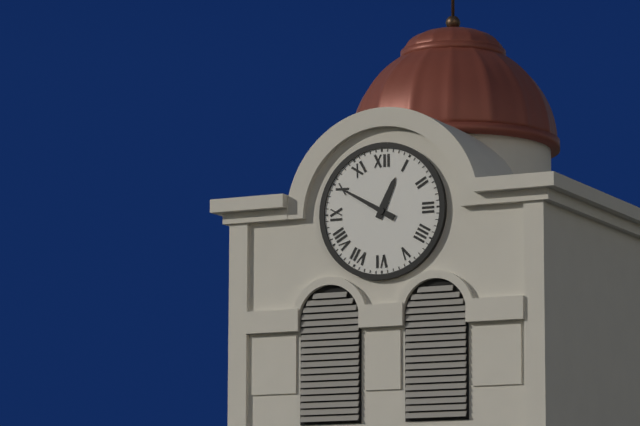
12 h 50 min
